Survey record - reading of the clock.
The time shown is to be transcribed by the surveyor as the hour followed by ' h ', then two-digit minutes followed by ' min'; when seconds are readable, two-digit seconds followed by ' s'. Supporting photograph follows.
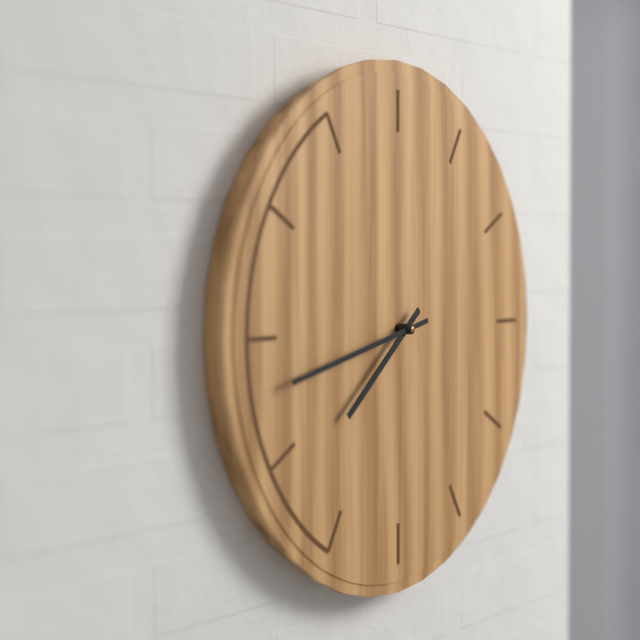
7 h 43 min
